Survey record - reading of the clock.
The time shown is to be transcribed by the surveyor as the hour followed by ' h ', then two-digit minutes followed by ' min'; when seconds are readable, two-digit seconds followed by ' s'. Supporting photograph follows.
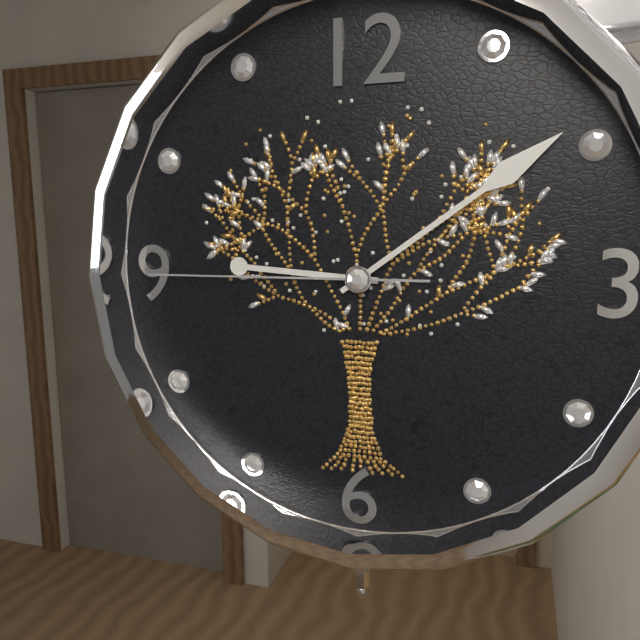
9 h 09 min 45 s
